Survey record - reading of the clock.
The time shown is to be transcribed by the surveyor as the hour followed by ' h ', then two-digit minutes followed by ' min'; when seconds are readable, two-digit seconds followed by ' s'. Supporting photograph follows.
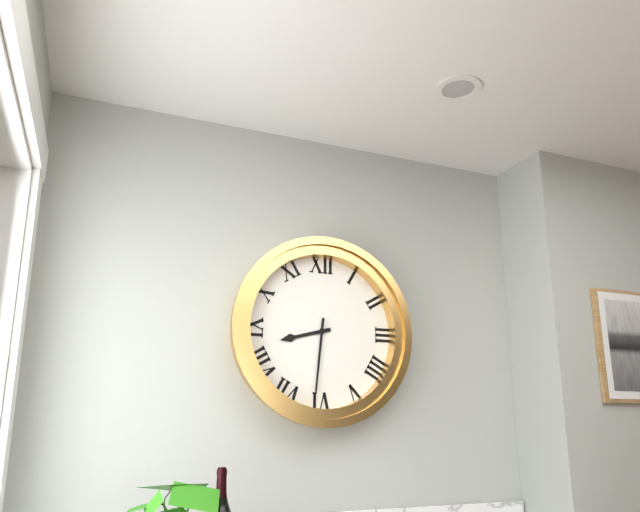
8 h 31 min
